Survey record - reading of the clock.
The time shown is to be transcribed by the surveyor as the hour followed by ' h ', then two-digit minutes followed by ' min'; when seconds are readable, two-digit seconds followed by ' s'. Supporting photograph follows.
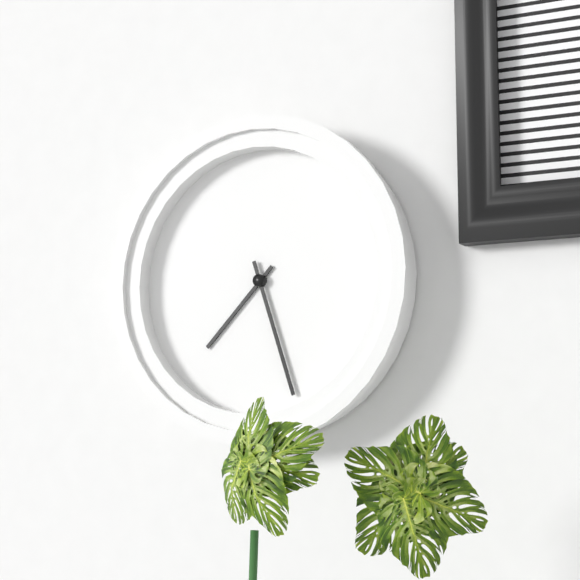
7 h 27 min
